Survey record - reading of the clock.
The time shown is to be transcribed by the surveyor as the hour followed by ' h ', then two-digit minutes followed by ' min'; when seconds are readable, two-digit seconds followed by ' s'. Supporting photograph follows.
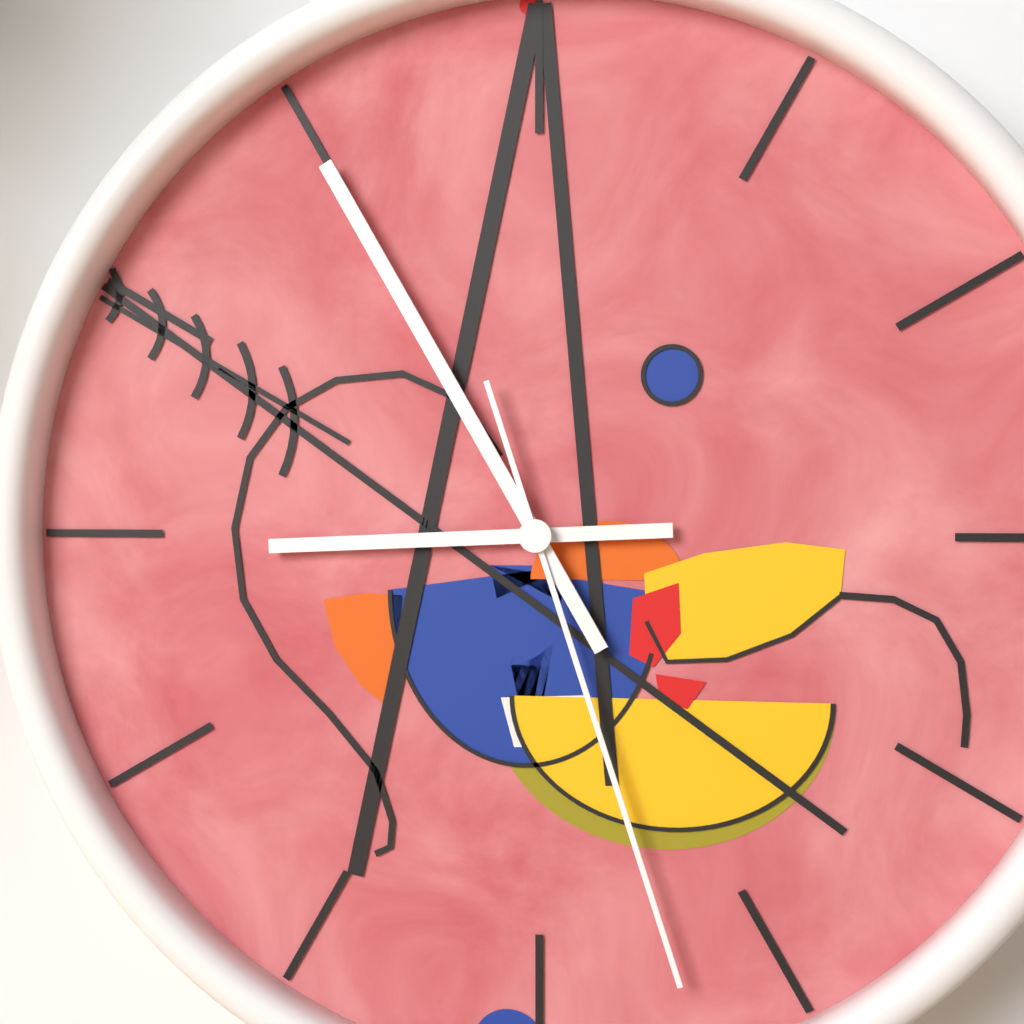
8 h 55 min 27 s
